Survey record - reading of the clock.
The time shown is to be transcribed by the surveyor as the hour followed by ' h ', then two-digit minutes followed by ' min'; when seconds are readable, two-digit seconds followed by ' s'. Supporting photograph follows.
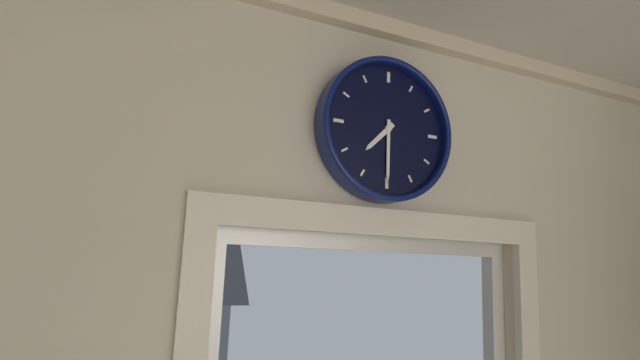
7 h 30 min
